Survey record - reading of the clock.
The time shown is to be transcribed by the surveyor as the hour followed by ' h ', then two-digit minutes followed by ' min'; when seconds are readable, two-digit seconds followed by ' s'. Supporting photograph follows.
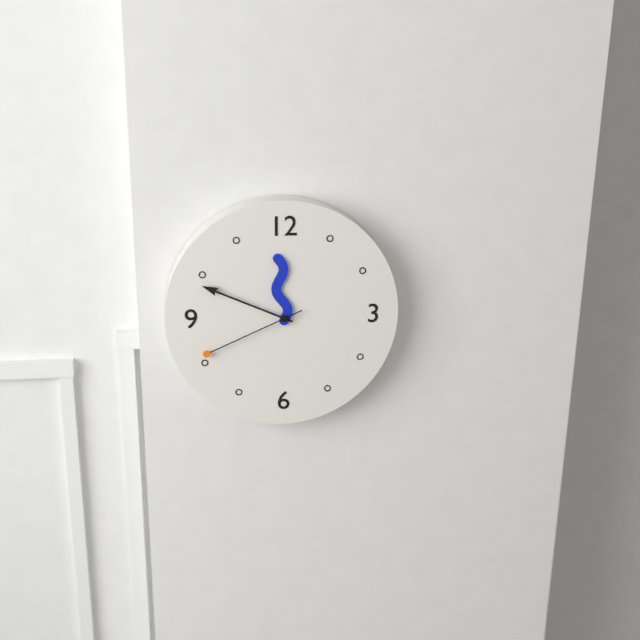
11 h 49 min 41 s
